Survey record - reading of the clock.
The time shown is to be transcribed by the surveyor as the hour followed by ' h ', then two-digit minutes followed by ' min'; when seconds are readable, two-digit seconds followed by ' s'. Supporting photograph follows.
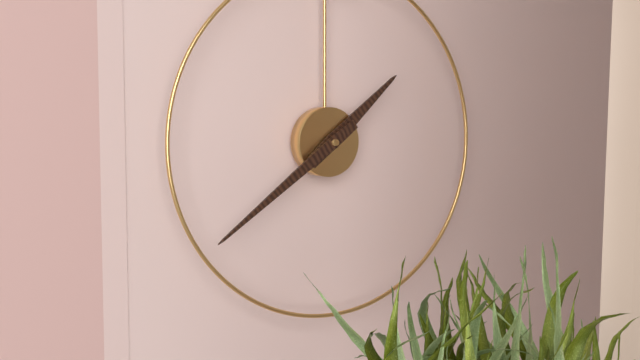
1 h 39 min
